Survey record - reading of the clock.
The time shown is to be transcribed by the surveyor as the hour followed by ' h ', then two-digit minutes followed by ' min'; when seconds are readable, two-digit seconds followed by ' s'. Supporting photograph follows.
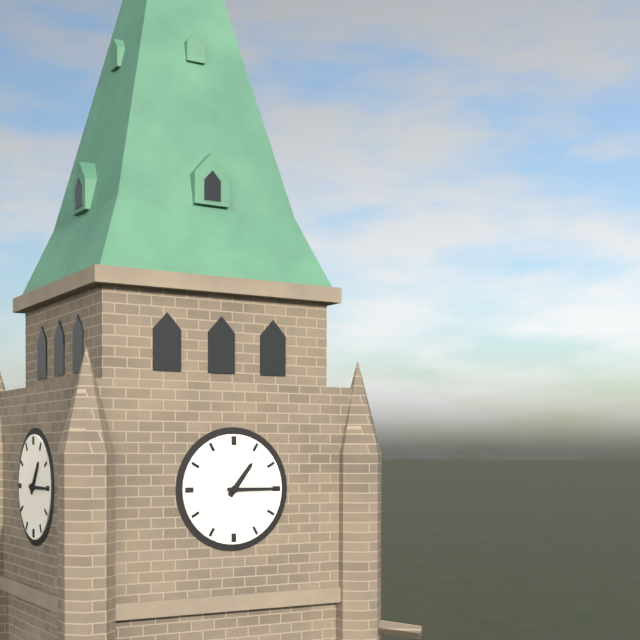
1 h 15 min
